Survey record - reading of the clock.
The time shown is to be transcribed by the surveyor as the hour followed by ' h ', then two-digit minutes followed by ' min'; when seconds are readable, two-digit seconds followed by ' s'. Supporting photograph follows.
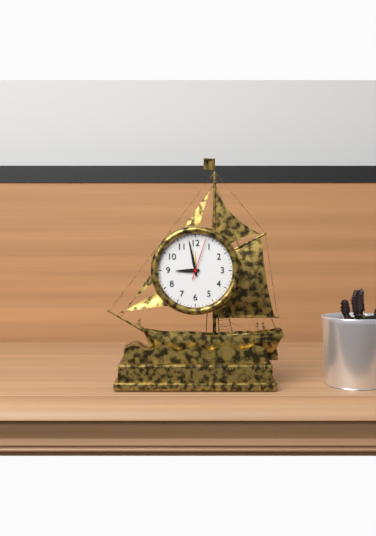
8 h 58 min
